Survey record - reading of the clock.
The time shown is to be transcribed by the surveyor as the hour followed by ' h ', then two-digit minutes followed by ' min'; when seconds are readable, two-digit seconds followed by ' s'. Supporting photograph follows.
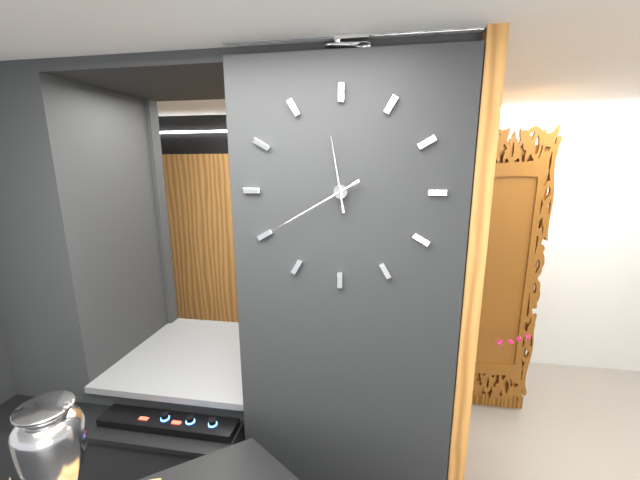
11 h 40 min
